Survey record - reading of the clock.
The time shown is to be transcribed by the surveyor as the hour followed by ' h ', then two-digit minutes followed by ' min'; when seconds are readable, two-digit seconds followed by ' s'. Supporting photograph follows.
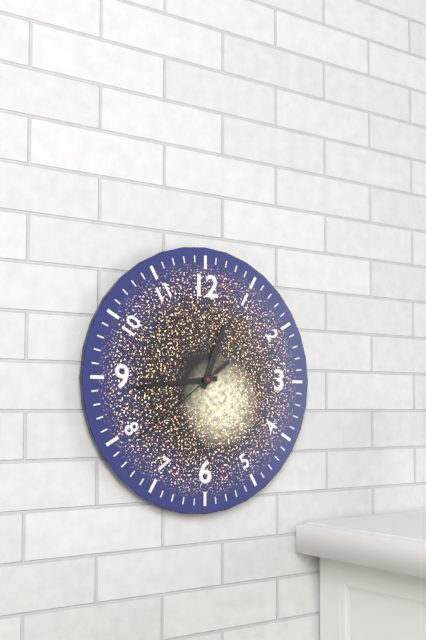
12 h 44 min 39 s
